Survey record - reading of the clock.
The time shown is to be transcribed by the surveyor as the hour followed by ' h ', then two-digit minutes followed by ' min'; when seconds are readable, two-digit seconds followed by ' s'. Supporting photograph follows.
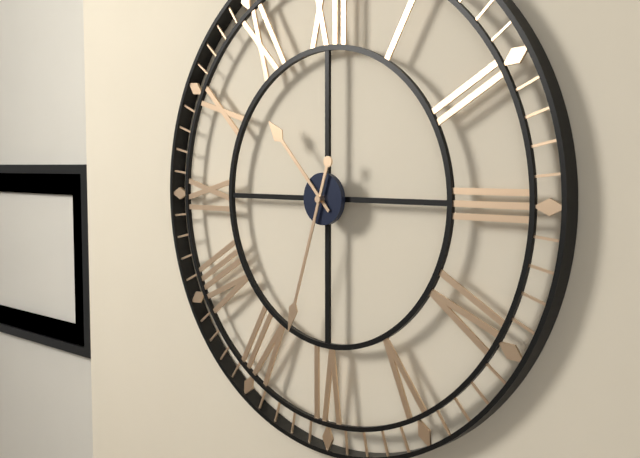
10 h 33 min
